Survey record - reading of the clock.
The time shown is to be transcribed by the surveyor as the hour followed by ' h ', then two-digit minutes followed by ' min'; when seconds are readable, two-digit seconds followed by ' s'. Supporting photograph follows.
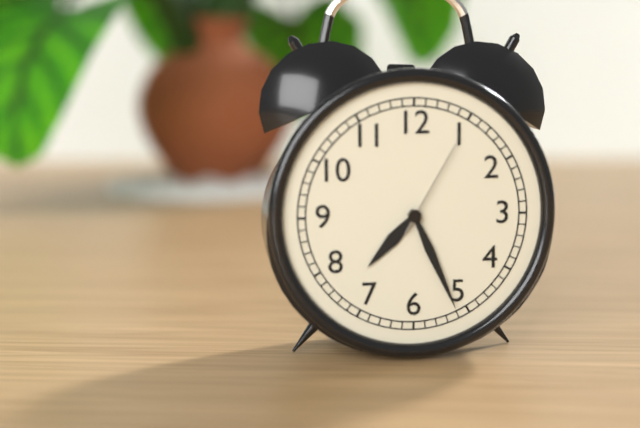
7 h 26 min 05 s
